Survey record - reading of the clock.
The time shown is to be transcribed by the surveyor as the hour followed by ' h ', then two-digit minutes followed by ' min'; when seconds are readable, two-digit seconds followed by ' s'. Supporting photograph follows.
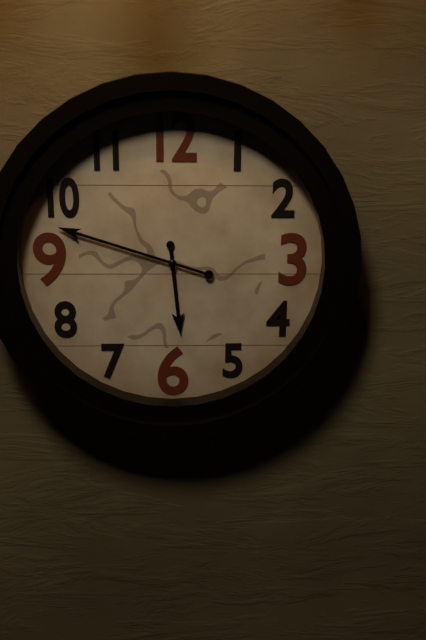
5 h 48 min
